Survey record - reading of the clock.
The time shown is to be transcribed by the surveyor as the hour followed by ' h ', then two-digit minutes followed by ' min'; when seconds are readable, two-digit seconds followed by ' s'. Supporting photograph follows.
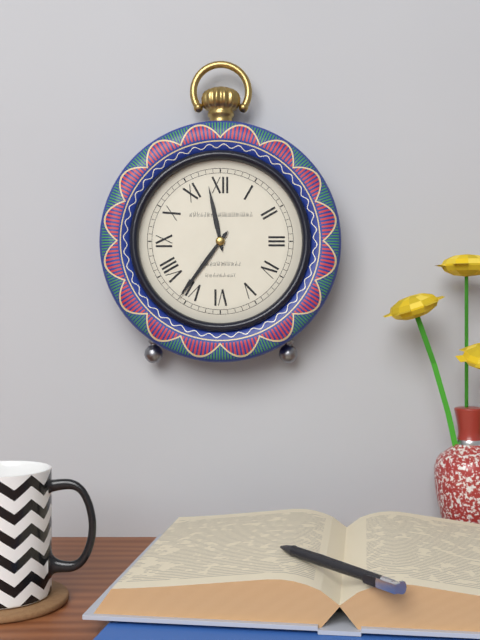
11 h 36 min
